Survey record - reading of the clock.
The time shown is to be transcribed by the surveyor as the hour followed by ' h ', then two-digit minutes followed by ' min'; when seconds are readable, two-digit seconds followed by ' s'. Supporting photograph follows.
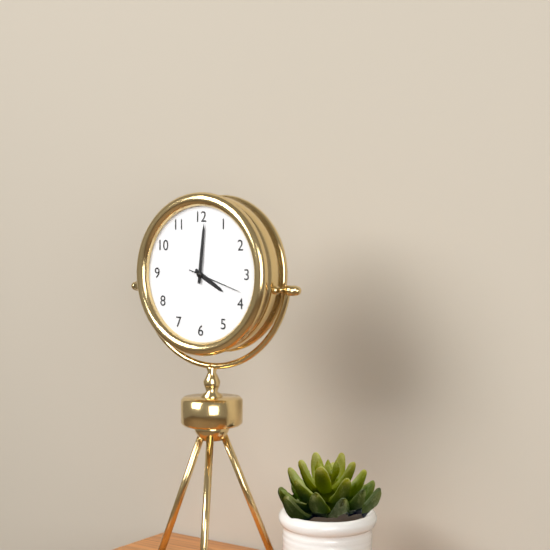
4 h 01 min 18 s
